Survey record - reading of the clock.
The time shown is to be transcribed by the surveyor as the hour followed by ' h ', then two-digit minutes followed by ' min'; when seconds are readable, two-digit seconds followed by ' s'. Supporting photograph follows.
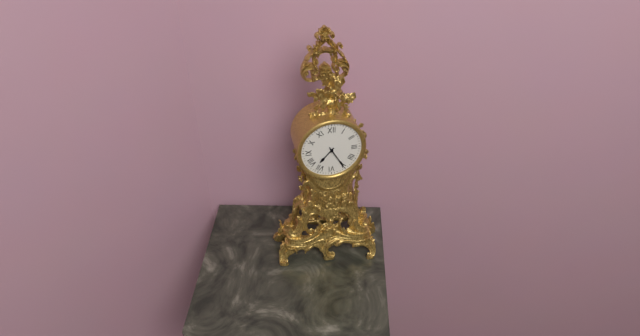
7 h 25 min
